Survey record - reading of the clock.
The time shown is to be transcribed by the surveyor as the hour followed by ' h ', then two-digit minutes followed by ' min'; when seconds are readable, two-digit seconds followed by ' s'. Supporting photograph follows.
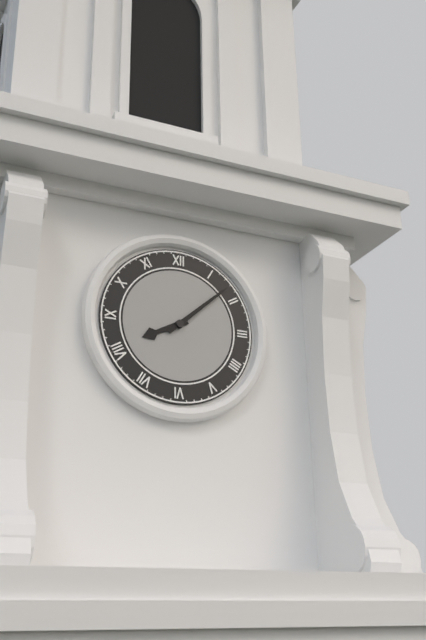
8 h 08 min
